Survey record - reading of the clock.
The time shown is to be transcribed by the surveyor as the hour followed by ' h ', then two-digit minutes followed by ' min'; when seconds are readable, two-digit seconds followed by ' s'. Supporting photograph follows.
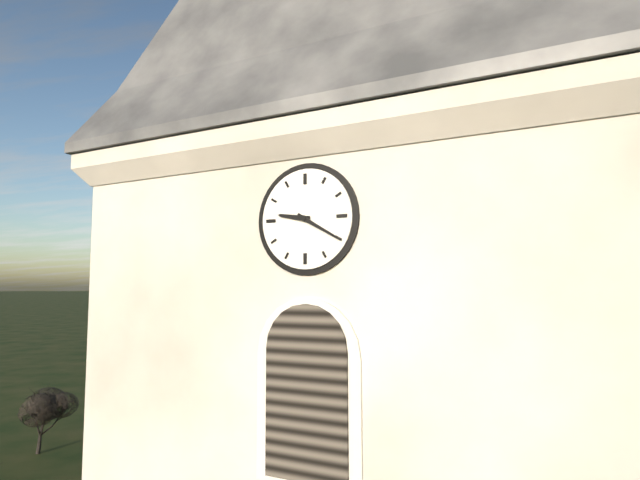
9 h 20 min
